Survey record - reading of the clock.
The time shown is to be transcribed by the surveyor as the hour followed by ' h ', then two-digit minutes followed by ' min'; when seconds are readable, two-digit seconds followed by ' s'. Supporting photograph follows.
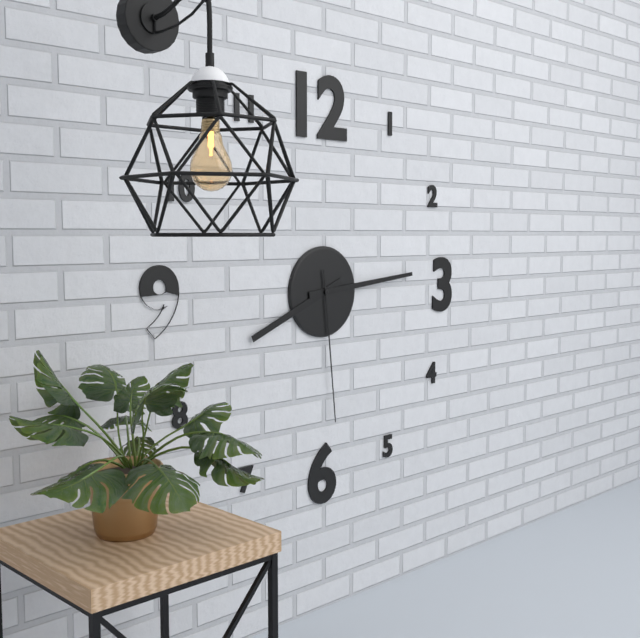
8 h 14 min 29 s
